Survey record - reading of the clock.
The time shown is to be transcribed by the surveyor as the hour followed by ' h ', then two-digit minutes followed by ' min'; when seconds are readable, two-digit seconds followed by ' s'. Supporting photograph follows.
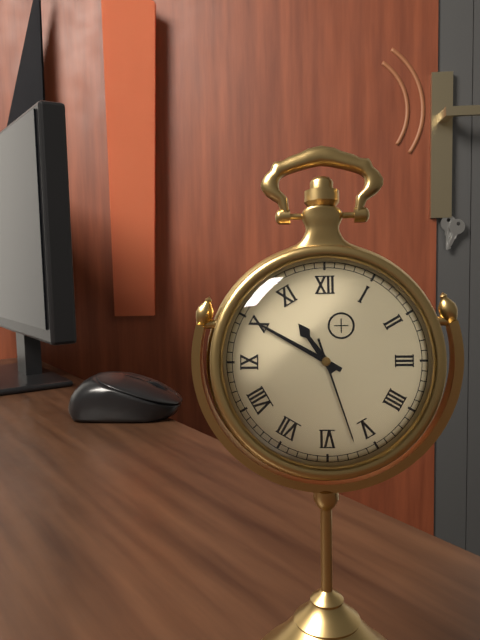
10 h 50 min 27 s
